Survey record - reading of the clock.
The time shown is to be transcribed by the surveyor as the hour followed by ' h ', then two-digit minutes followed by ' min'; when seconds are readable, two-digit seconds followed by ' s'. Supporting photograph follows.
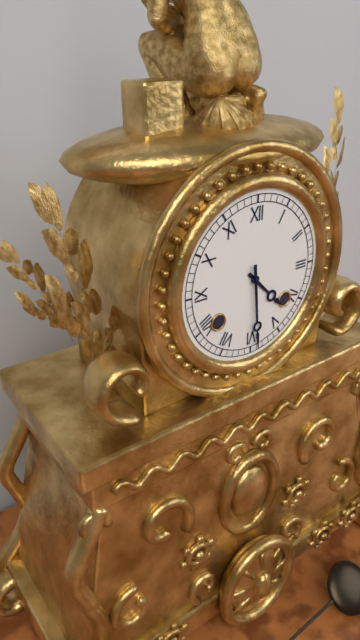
4 h 29 min
